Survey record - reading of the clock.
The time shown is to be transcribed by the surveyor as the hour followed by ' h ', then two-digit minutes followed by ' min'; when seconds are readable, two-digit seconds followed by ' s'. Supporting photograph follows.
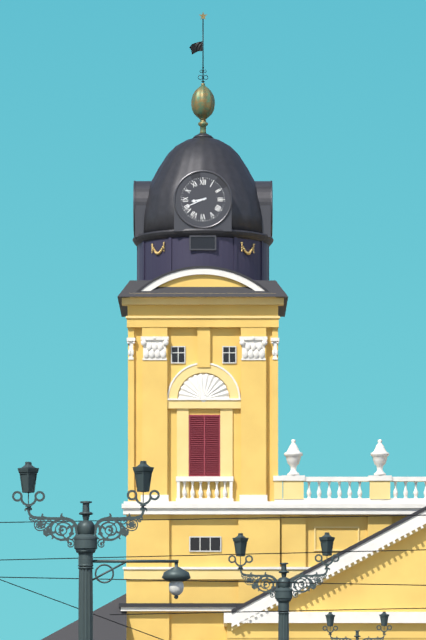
8 h 41 min
